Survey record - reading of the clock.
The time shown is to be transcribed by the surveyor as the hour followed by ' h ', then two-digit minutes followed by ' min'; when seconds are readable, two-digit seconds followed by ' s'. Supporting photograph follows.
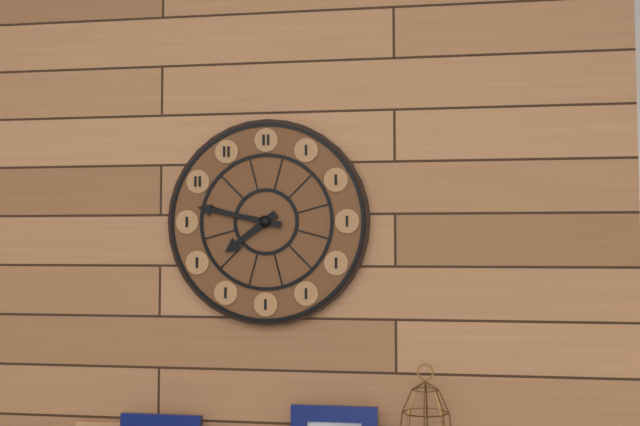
7 h 47 min
